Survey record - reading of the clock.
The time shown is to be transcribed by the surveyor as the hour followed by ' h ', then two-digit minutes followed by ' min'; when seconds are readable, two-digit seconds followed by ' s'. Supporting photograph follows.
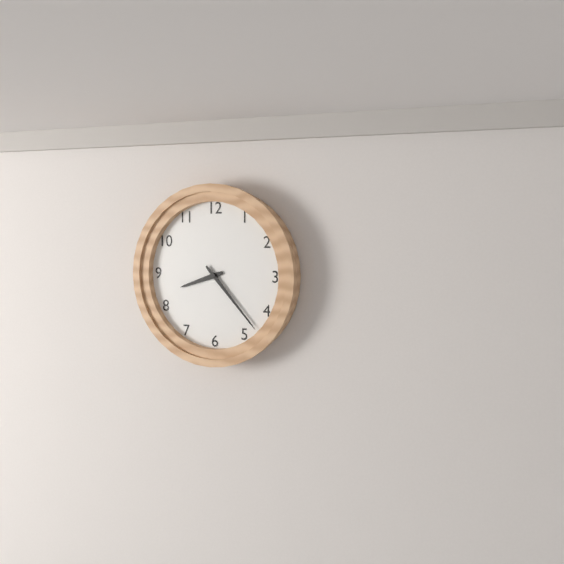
8 h 23 min
